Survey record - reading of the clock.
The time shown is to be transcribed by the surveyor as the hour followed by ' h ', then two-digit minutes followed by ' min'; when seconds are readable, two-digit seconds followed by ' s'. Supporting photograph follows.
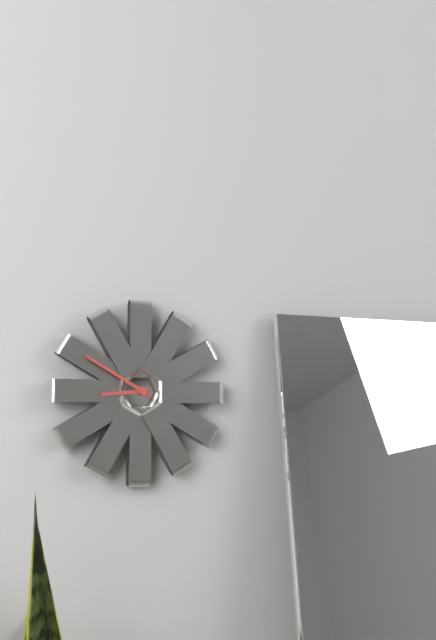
8 h 50 min
